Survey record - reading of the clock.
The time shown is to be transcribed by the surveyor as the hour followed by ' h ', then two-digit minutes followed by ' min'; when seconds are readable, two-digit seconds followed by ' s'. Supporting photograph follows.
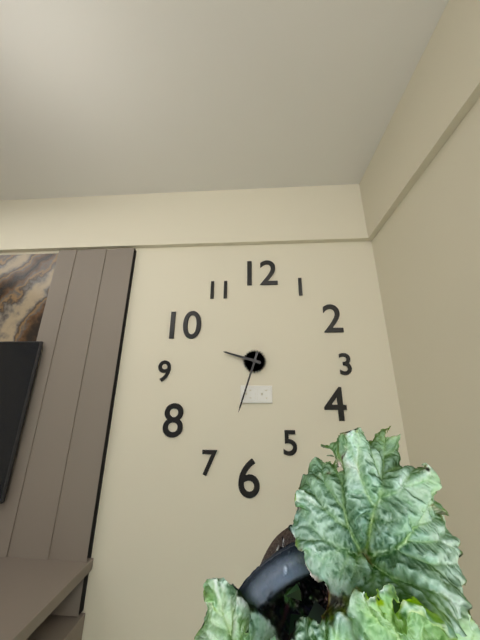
9 h 33 min
